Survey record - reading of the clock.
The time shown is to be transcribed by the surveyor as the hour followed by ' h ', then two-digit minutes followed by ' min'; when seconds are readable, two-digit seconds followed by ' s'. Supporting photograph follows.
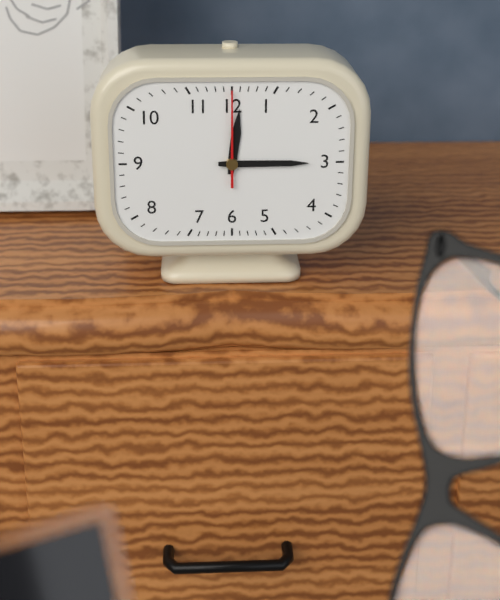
12 h 15 min 00 s
